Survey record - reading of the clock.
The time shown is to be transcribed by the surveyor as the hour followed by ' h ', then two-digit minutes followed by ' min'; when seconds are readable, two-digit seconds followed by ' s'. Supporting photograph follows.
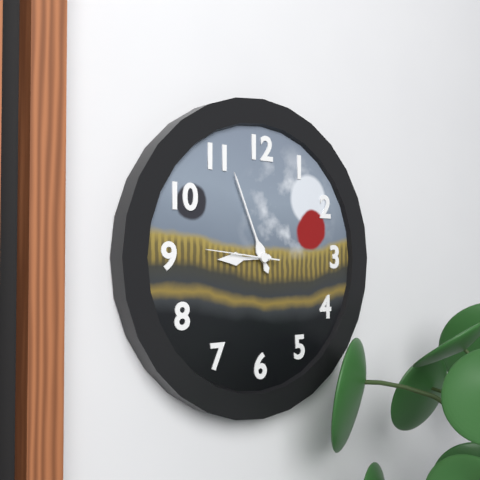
8 h 56 min 46 s
